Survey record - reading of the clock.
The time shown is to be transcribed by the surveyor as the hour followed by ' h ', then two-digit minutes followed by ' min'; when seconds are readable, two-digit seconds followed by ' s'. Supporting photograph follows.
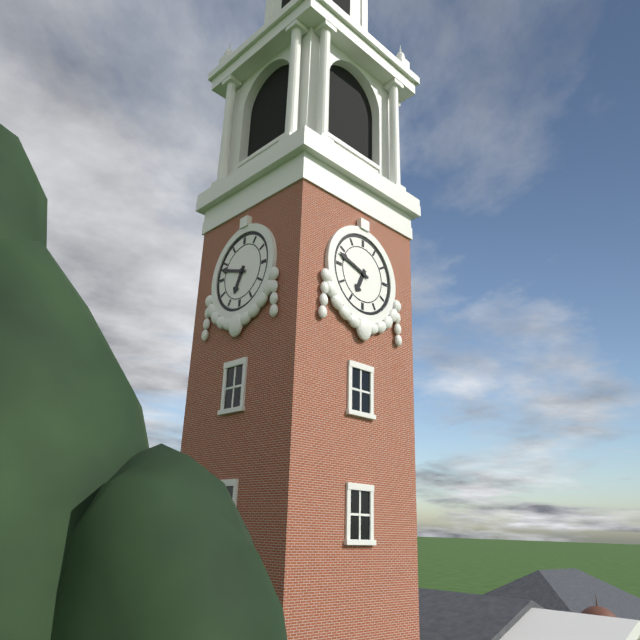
6 h 48 min
